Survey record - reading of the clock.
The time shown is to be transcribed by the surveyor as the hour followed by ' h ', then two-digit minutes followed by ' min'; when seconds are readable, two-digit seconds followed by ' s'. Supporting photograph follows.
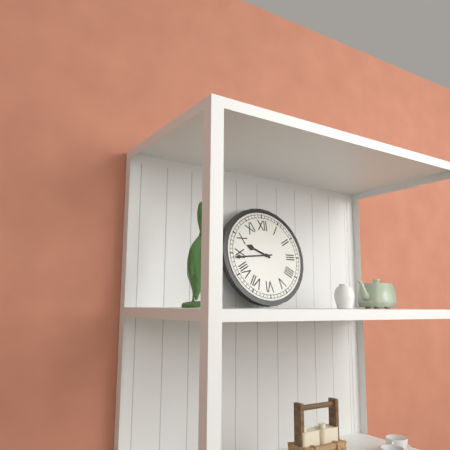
9 h 44 min
